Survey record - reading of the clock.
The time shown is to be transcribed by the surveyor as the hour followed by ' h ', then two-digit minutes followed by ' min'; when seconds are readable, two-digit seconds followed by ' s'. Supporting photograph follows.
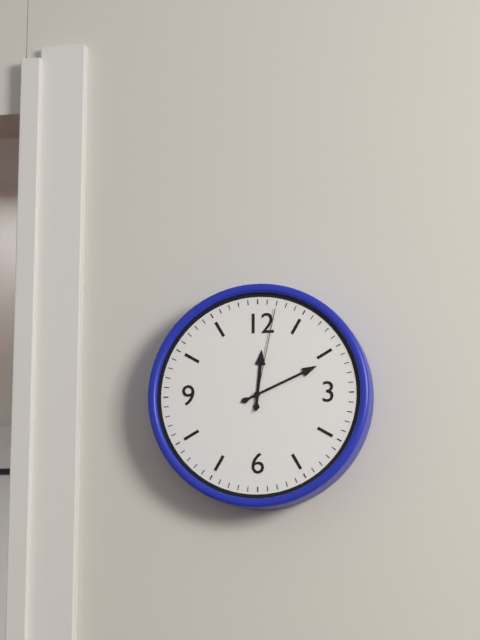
12 h 11 min 02 s
